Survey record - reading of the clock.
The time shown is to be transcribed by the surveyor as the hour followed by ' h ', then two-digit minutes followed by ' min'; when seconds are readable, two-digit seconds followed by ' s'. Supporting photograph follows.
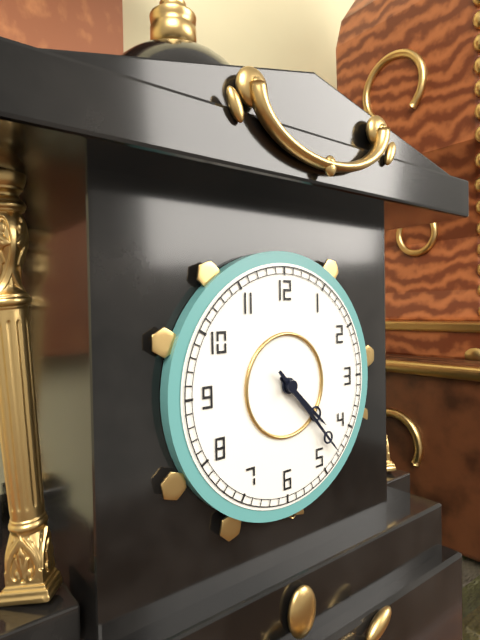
4 h 23 min
